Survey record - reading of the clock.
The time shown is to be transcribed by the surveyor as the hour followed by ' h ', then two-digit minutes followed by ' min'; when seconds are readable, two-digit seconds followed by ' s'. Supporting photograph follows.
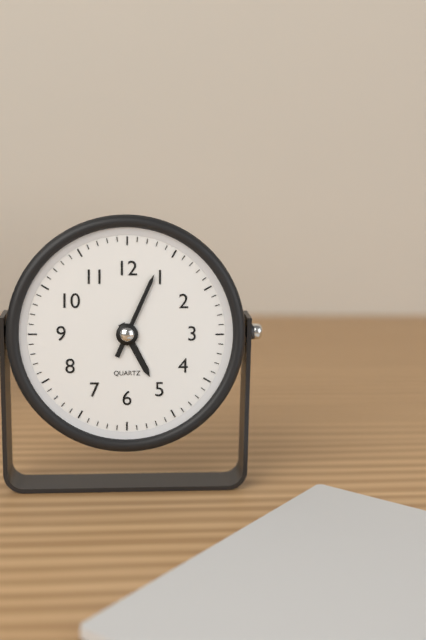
5 h 04 min
